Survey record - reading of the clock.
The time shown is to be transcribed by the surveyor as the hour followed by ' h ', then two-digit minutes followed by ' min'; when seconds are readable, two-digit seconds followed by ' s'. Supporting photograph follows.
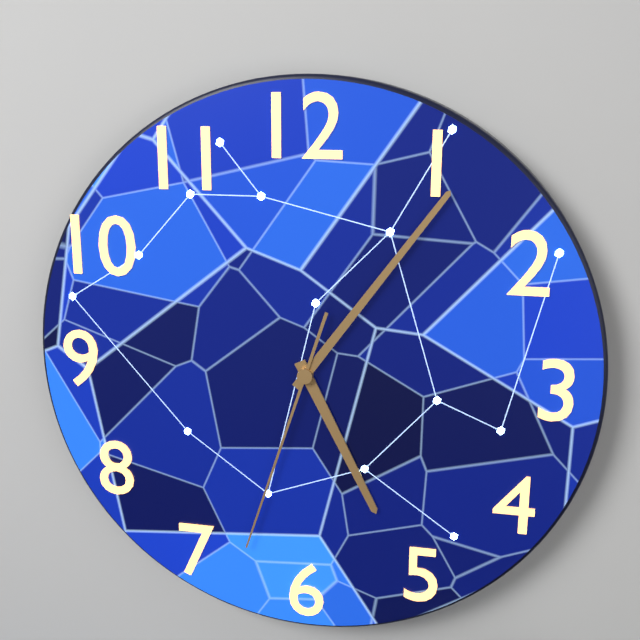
5 h 06 min 33 s
